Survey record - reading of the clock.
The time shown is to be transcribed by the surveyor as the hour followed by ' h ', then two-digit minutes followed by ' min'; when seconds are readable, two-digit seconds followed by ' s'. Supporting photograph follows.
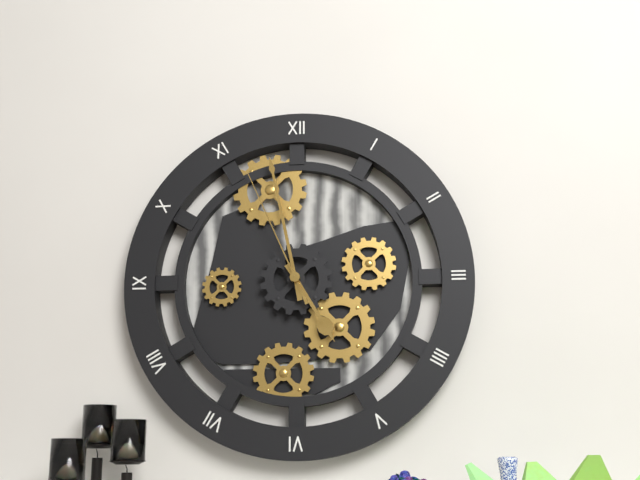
4 h 58 min 56 s
